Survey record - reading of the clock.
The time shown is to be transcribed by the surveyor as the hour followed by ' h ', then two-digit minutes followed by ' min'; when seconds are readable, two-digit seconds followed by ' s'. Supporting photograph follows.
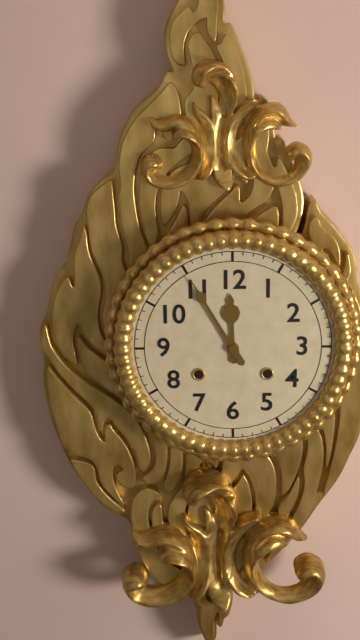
11 h 55 min
